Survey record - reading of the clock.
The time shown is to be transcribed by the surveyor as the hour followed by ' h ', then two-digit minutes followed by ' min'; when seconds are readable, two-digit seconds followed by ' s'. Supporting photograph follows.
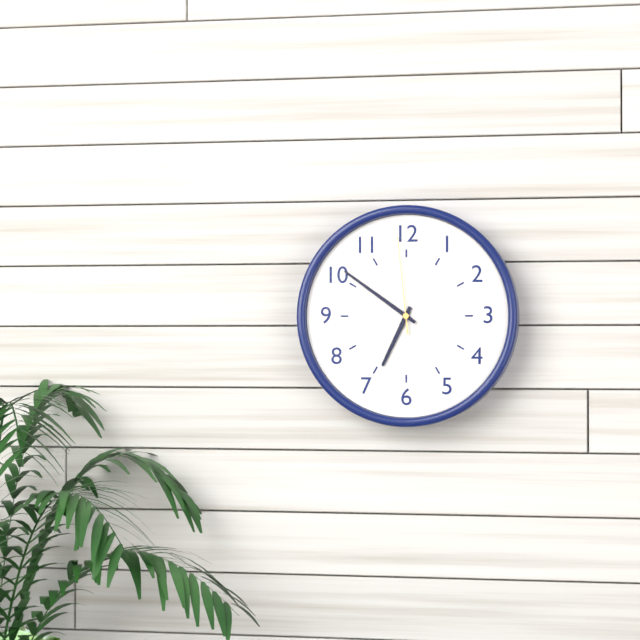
6 h 51 min 59 s
